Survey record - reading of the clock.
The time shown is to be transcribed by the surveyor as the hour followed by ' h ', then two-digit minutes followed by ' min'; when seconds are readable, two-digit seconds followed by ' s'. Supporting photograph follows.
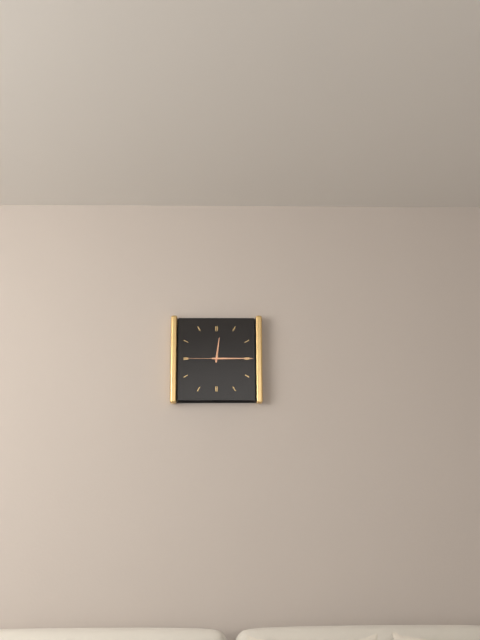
12 h 15 min
